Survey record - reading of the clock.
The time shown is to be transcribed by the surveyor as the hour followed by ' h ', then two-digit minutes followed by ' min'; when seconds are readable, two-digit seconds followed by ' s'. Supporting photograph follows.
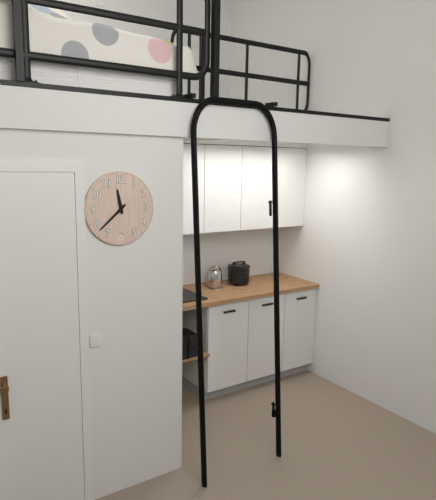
11 h 38 min
